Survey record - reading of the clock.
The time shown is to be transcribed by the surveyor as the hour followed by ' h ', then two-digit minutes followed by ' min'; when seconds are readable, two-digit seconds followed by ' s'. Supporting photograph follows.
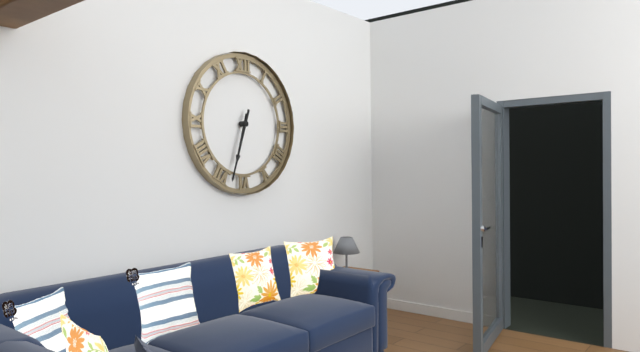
6 h 33 min
